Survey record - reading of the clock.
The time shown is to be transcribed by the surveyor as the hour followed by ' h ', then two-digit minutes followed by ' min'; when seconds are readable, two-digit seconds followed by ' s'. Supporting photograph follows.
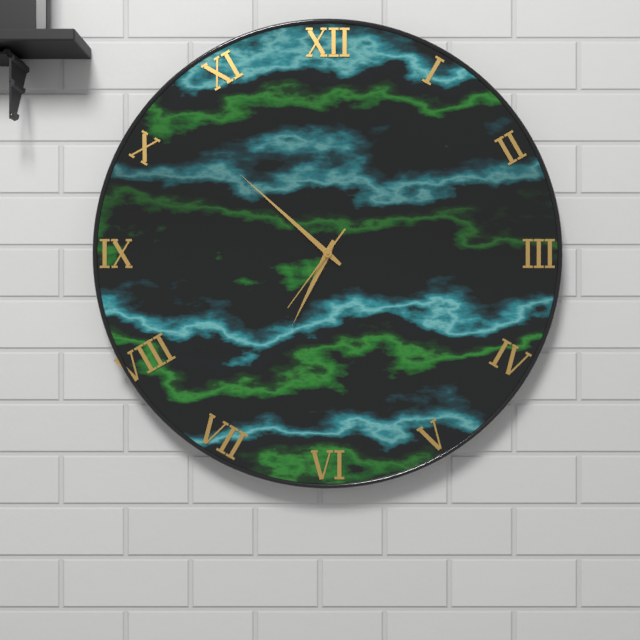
6 h 52 min 36 s
